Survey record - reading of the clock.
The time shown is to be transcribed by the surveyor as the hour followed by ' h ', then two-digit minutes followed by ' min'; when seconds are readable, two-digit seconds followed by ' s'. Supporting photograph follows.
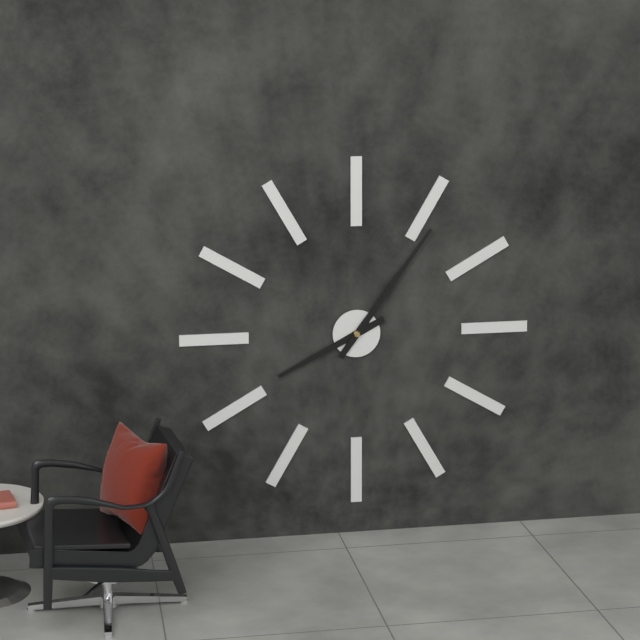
8 h 06 min
